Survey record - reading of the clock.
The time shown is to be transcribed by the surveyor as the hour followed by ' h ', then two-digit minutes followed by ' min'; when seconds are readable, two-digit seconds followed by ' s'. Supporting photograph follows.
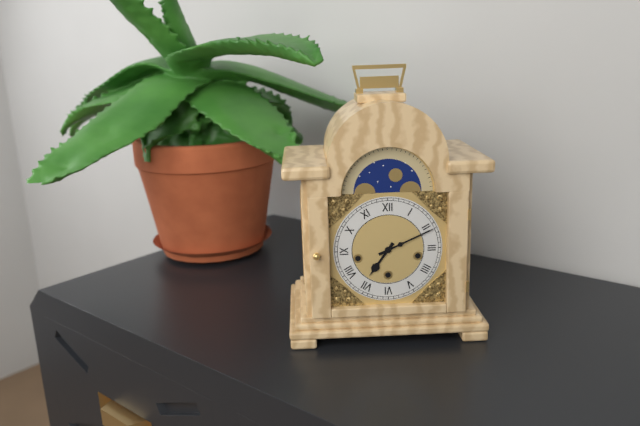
7 h 11 min
